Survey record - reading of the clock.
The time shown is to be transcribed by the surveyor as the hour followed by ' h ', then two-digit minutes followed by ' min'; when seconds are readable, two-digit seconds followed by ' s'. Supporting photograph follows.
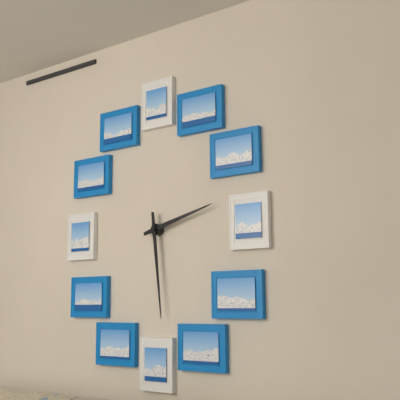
2 h 29 min
